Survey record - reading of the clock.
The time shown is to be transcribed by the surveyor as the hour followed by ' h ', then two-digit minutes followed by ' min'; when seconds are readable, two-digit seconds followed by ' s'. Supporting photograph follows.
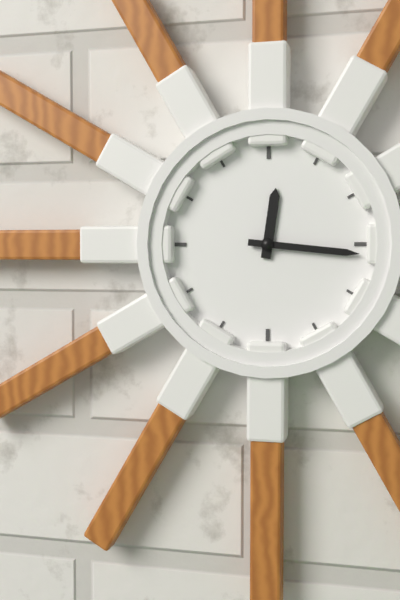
12 h 16 min
